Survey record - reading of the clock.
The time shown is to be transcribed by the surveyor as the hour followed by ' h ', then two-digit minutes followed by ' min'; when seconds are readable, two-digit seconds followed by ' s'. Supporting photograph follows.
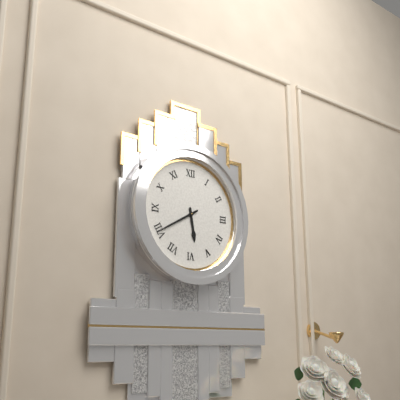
5 h 40 min
